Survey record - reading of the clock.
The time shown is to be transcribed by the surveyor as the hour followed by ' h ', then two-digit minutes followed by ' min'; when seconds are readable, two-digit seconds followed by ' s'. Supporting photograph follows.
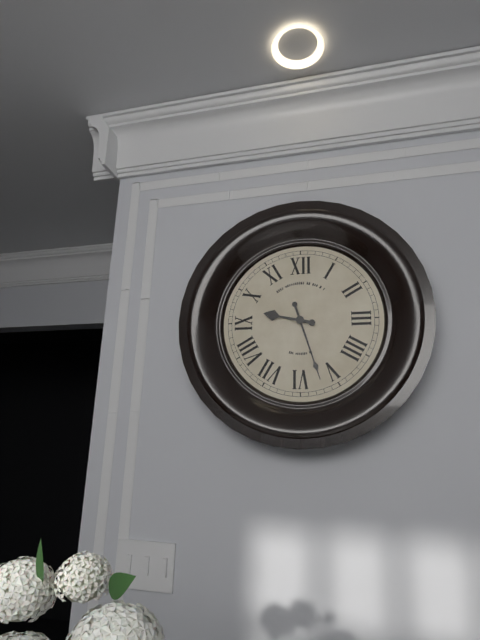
9 h 27 min
